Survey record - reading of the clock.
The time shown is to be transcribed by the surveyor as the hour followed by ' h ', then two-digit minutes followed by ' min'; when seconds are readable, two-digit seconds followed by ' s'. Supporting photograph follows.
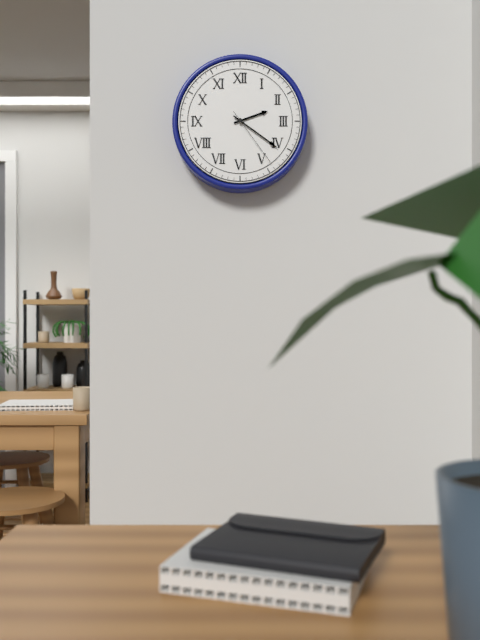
2 h 21 min 24 s
